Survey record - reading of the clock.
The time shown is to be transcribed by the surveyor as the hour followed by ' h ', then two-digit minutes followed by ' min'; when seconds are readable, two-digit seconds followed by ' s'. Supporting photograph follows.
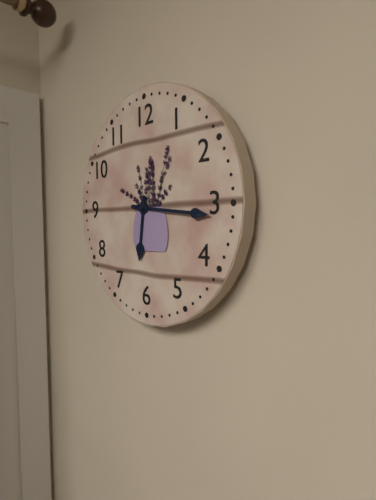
6 h 16 min
